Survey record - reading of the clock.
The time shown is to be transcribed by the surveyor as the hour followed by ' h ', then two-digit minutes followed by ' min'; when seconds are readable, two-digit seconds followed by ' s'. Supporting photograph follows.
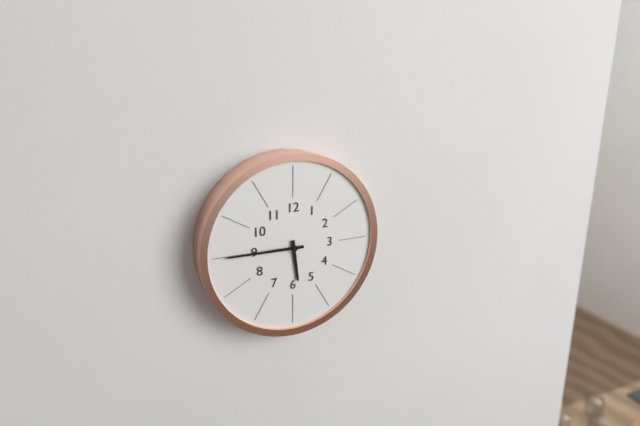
5 h 45 min
